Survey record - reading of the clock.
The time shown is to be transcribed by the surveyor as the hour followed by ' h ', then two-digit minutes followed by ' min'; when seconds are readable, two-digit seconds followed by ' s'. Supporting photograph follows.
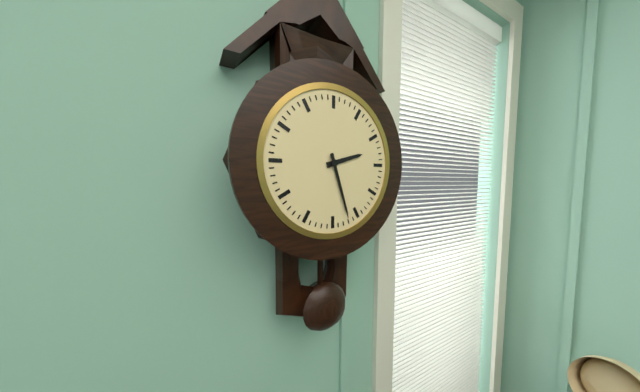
2 h 27 min
